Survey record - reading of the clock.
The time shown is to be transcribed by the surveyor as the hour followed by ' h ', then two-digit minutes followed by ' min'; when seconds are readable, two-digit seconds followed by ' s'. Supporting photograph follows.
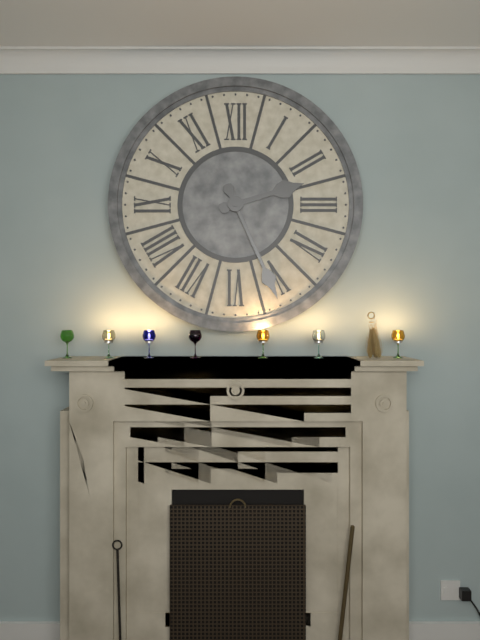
2 h 26 min
